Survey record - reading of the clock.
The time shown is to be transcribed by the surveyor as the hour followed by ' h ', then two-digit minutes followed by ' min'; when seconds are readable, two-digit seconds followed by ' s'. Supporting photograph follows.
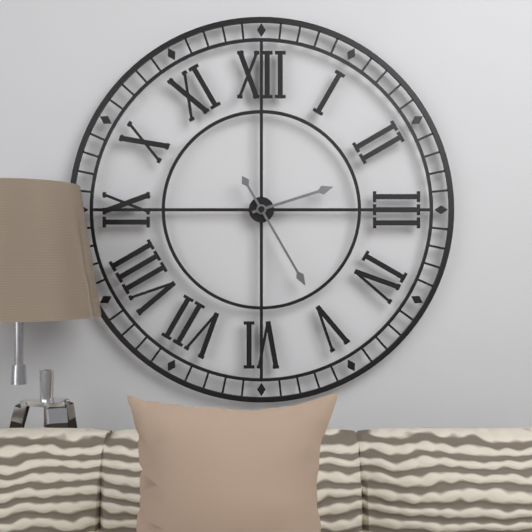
2 h 25 min
